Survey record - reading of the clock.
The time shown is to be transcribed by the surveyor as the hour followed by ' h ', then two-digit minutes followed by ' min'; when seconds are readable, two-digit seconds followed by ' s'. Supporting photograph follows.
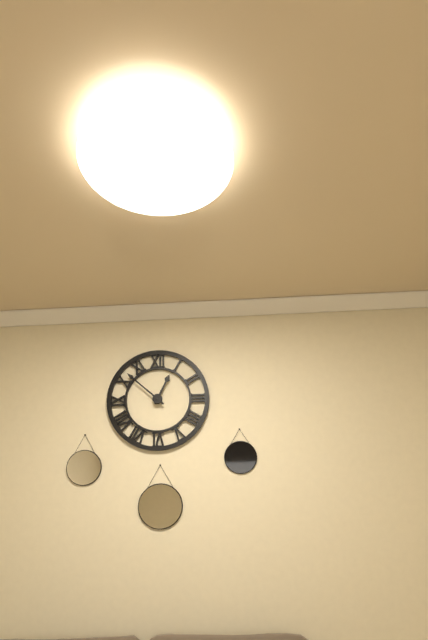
12 h 52 min
